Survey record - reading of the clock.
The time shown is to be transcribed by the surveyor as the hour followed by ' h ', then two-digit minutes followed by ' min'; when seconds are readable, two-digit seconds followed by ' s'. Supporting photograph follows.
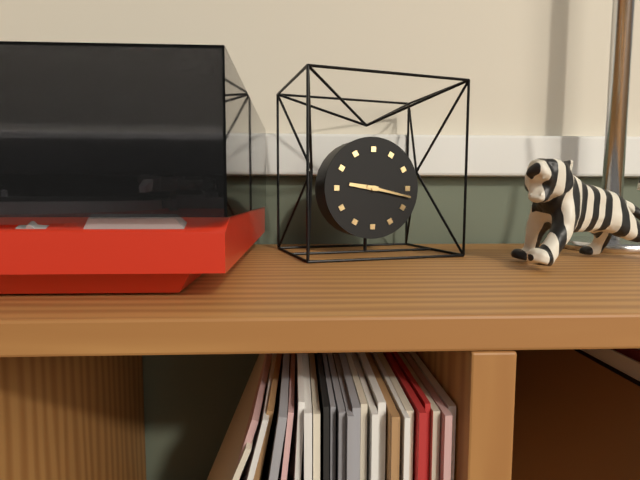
9 h 17 min
